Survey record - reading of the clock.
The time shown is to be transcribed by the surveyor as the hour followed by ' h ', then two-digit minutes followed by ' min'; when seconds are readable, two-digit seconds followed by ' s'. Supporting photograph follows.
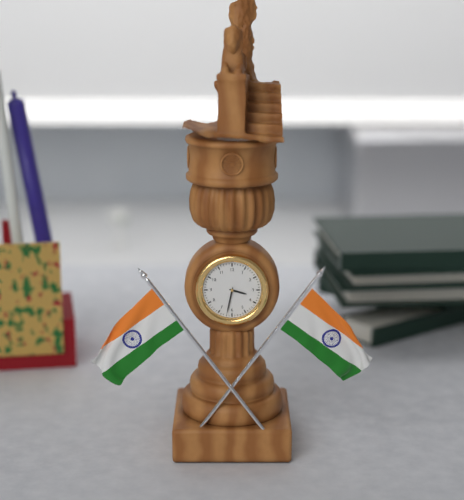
3 h 32 min
